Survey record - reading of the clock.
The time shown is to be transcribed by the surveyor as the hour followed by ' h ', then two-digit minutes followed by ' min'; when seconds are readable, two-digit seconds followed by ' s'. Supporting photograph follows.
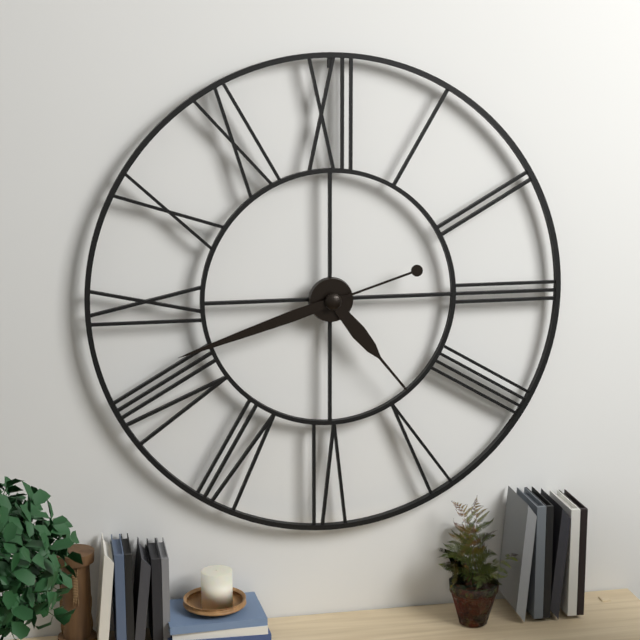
4 h 42 min
